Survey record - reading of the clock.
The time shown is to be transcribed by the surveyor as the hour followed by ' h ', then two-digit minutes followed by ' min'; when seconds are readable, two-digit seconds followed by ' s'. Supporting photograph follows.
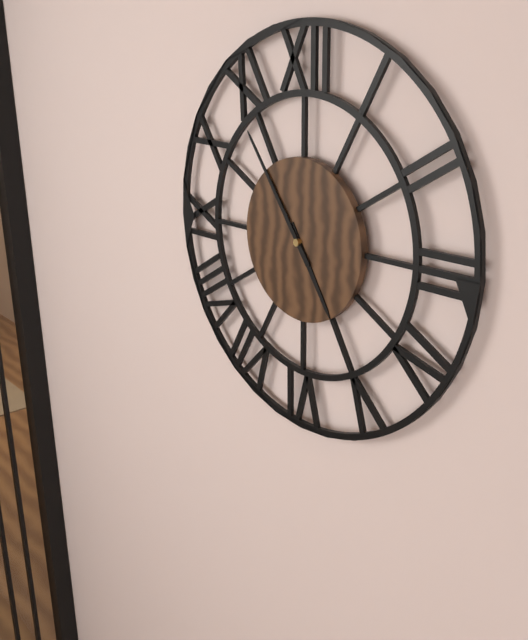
4 h 54 min
